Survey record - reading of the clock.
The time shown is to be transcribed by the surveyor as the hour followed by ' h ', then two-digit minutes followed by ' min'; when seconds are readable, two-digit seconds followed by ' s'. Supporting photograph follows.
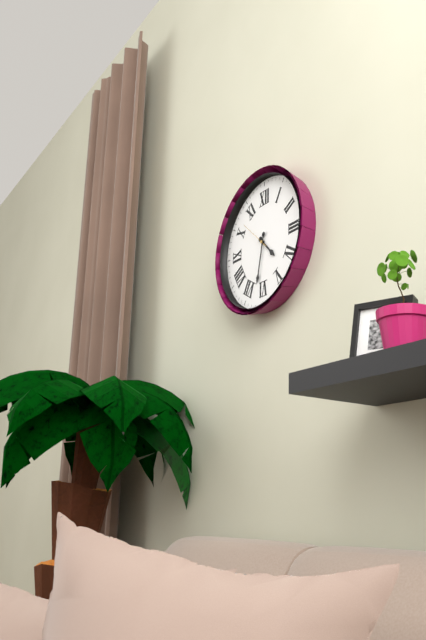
4 h 32 min
